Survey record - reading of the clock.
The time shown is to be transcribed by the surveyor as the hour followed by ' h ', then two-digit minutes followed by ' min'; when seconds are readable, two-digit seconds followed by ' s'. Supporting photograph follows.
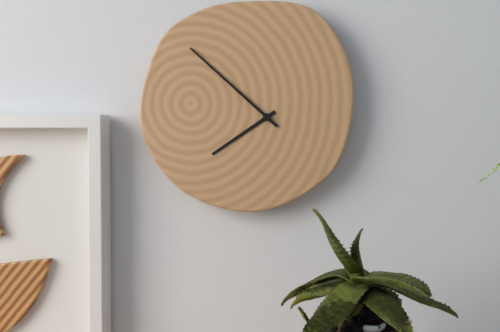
7 h 52 min
